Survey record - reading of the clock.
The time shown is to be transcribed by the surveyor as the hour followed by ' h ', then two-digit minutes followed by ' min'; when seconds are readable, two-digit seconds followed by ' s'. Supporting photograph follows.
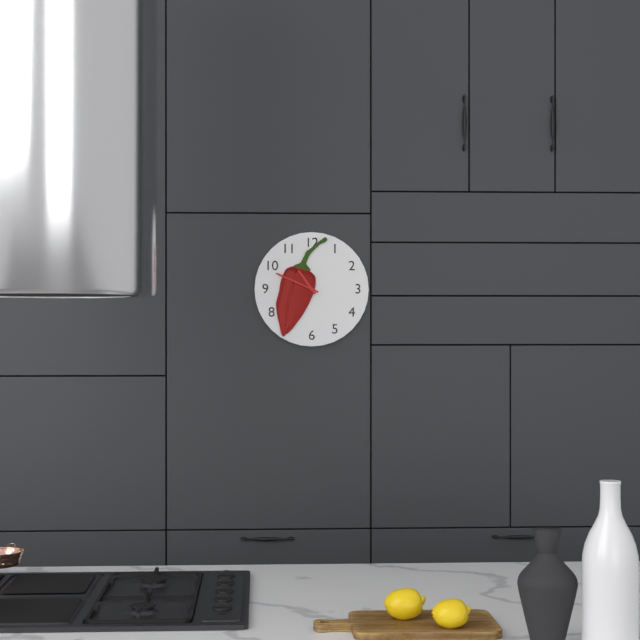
10 h 49 min
